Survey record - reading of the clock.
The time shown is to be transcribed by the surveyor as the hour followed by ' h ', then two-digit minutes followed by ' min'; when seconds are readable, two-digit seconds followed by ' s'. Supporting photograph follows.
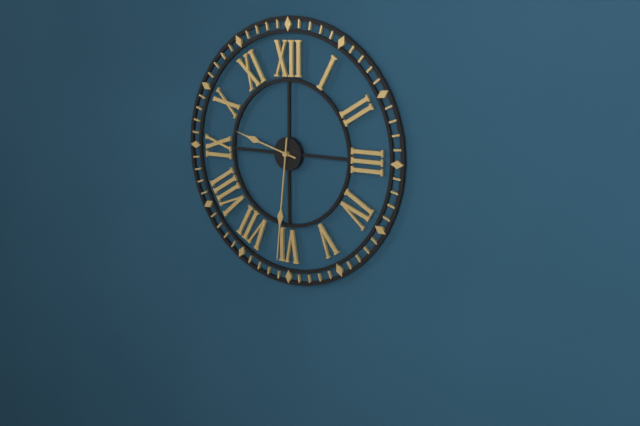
9 h 31 min
